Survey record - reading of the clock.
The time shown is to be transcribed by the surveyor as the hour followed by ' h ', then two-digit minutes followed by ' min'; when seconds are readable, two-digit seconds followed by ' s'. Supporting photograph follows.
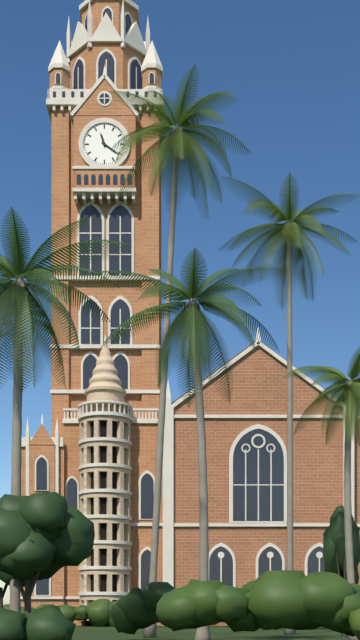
11 h 21 min
